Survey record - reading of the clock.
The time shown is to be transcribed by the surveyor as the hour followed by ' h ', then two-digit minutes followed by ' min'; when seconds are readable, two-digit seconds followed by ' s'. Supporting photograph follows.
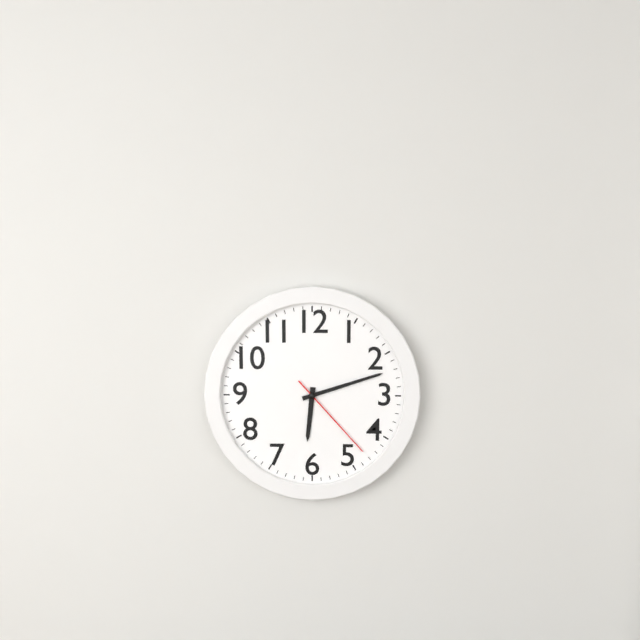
6 h 12 min 23 s
